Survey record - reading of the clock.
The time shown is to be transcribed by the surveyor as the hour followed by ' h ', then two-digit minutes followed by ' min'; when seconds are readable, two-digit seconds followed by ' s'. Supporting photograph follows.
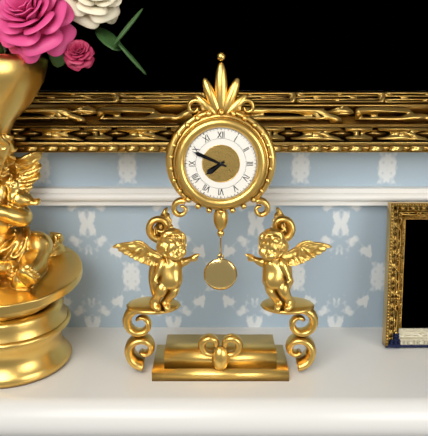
7 h 49 min
